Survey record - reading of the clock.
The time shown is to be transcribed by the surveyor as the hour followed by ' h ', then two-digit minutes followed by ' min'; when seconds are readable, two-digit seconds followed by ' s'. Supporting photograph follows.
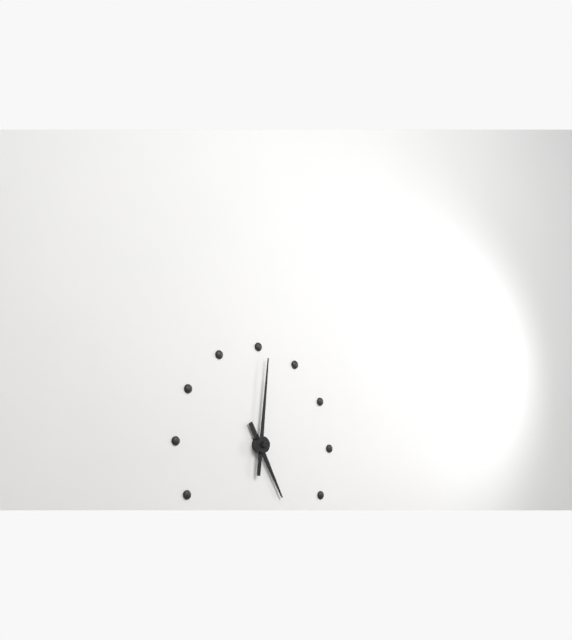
5 h 01 min
